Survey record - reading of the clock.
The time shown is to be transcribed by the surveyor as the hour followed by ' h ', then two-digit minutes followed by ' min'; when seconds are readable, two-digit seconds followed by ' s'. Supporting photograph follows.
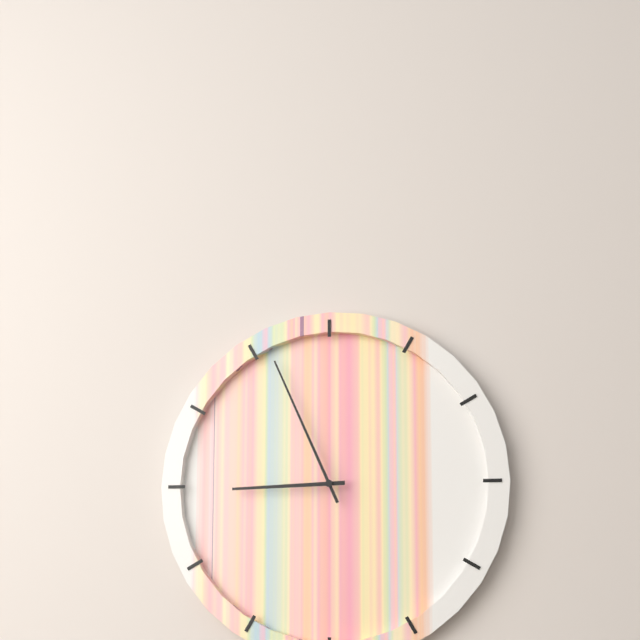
8 h 56 min
